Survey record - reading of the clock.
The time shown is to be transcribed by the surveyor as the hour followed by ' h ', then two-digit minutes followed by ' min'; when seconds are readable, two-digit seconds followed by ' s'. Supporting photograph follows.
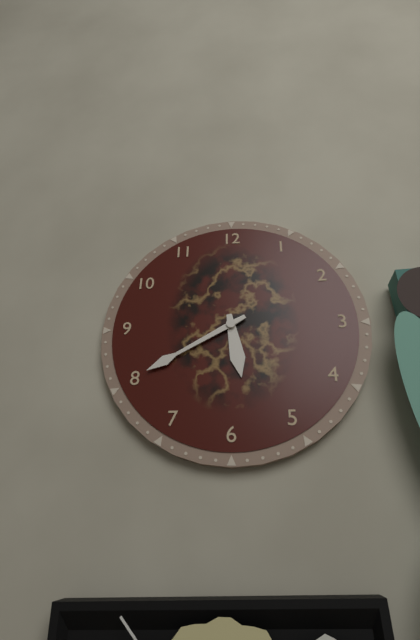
5 h 40 min
